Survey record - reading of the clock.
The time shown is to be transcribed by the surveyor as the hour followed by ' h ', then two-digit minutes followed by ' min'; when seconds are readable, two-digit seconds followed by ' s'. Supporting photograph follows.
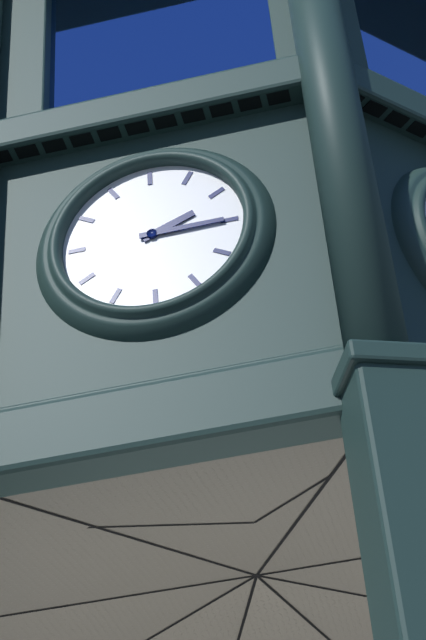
2 h 15 min
